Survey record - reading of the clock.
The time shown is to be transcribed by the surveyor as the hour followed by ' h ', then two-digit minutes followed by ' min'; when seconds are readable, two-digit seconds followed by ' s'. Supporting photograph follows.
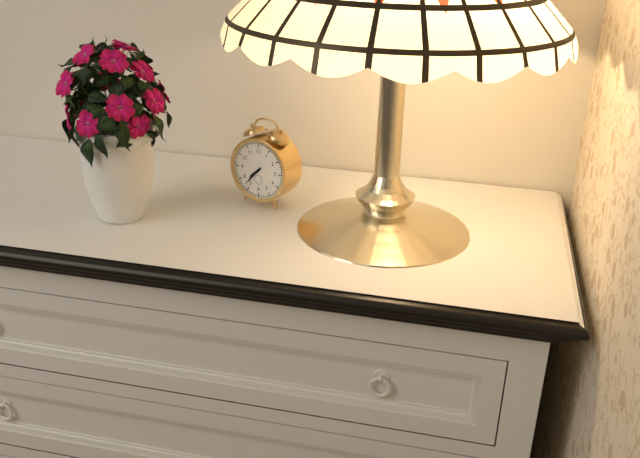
7 h 37 min
